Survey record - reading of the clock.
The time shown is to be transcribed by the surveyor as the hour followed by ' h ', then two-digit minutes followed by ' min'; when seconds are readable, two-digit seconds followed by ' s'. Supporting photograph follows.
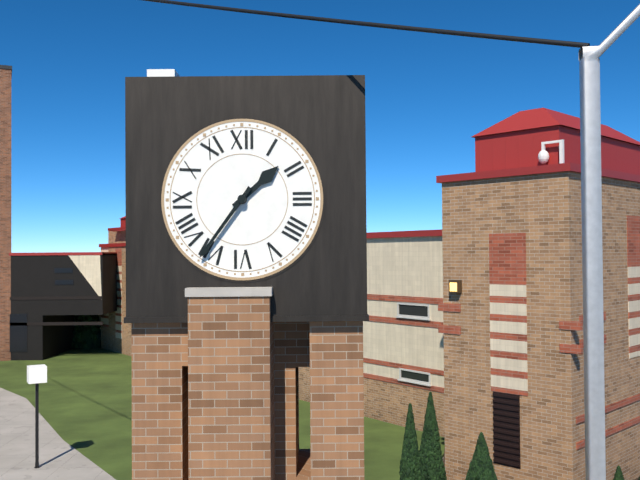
1 h 36 min
